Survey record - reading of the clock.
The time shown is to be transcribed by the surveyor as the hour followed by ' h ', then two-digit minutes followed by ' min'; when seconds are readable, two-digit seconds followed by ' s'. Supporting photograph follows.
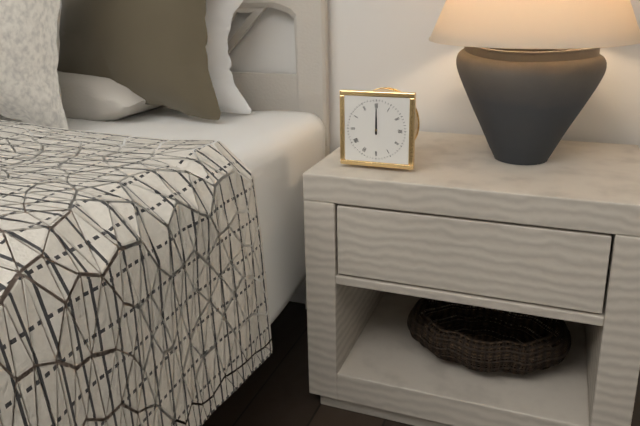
12 h 00 min
